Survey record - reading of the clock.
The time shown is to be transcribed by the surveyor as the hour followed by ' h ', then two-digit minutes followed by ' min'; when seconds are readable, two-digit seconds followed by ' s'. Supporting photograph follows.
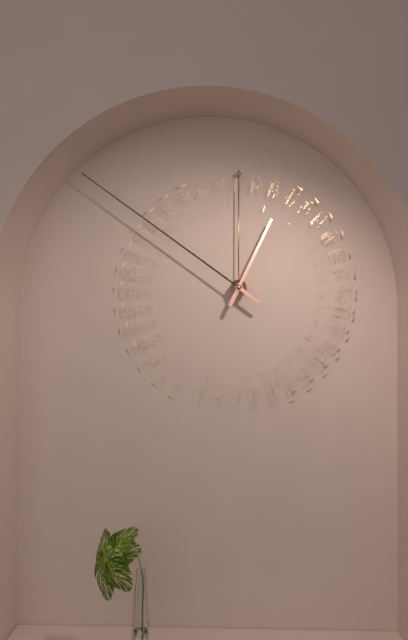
12 h 51 min
